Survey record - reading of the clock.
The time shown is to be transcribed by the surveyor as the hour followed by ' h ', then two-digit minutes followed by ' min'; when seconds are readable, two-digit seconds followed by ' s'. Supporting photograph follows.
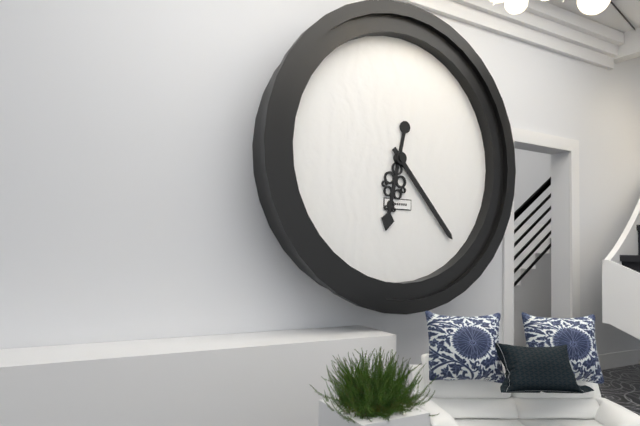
6 h 23 min
